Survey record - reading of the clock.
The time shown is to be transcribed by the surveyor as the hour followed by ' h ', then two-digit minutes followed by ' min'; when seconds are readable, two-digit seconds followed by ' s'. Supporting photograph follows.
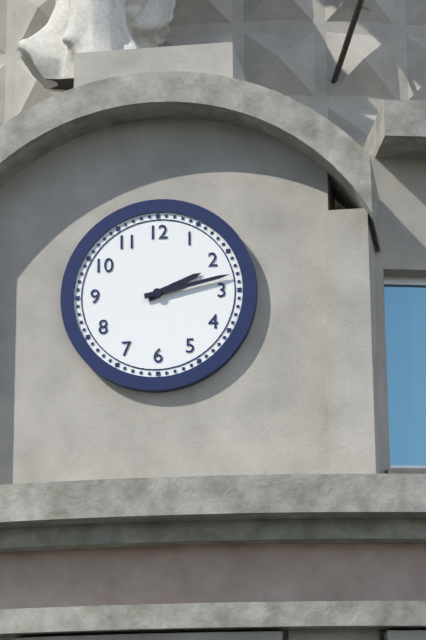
2 h 13 min
